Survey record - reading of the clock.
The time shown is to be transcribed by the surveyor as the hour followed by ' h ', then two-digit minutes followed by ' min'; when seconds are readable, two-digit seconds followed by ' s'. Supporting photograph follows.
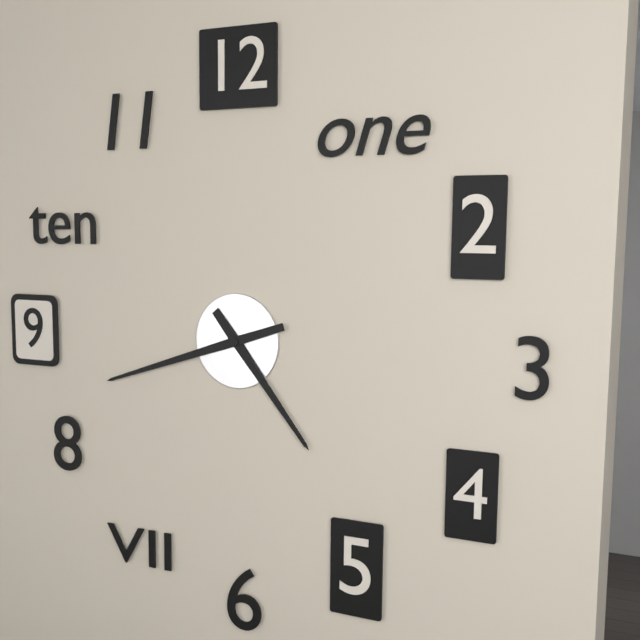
4 h 42 min
